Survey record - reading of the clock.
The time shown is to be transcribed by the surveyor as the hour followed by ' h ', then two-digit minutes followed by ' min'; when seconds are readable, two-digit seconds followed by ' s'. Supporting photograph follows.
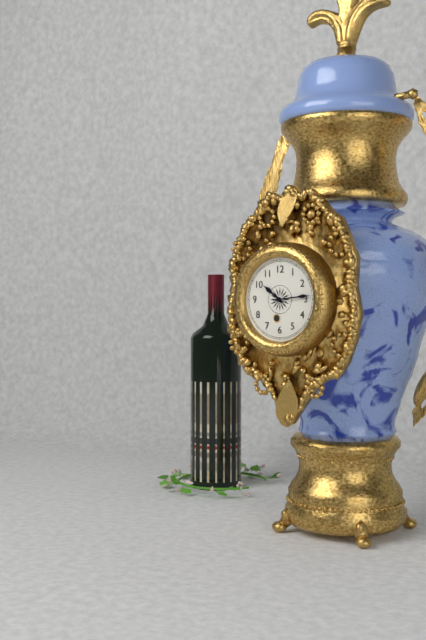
10 h 14 min
